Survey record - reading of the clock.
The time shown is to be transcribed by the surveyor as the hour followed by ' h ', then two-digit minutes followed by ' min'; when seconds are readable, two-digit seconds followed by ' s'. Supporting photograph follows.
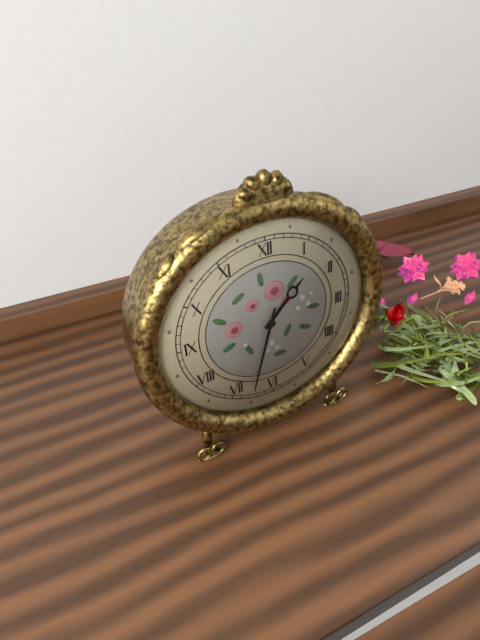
1 h 33 min
